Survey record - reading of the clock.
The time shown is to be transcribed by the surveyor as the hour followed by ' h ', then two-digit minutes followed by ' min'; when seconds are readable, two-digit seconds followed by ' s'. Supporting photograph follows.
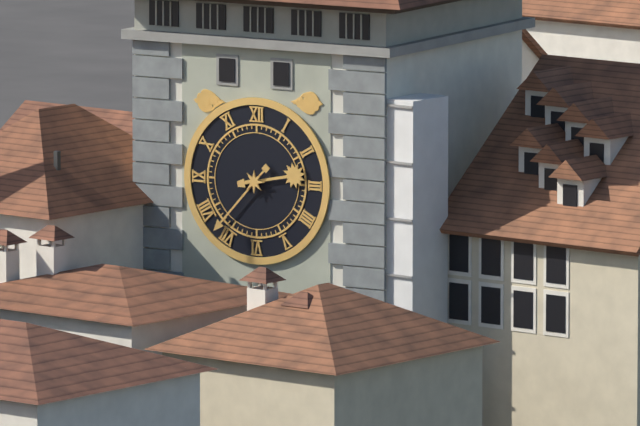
2 h 37 min
